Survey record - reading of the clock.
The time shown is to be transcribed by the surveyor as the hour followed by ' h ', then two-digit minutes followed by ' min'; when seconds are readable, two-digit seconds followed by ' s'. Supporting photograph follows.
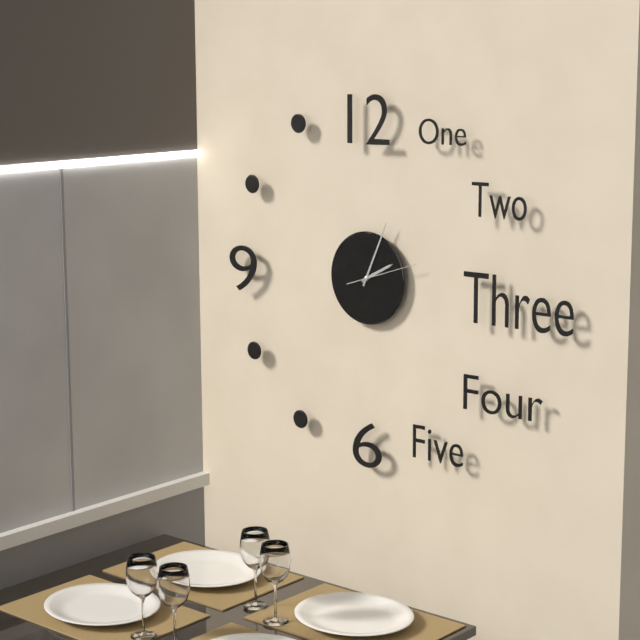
2 h 04 min 12 s
